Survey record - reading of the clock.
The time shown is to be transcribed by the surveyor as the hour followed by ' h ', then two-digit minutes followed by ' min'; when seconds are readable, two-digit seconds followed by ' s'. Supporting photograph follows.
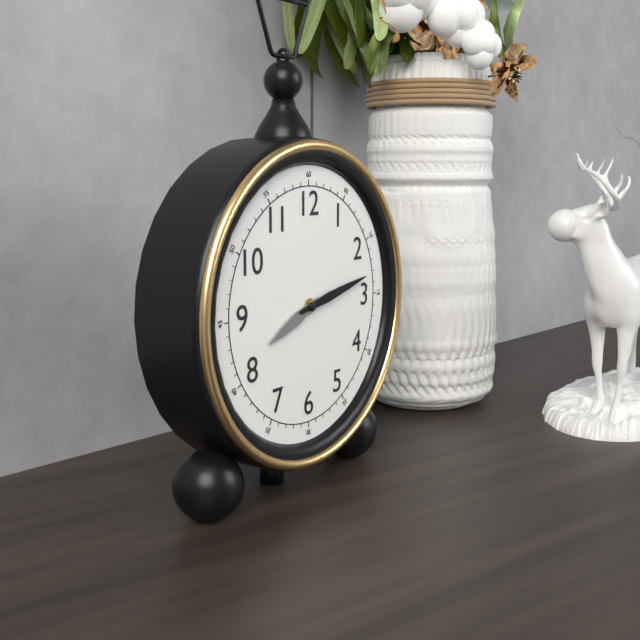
8 h 13 min
